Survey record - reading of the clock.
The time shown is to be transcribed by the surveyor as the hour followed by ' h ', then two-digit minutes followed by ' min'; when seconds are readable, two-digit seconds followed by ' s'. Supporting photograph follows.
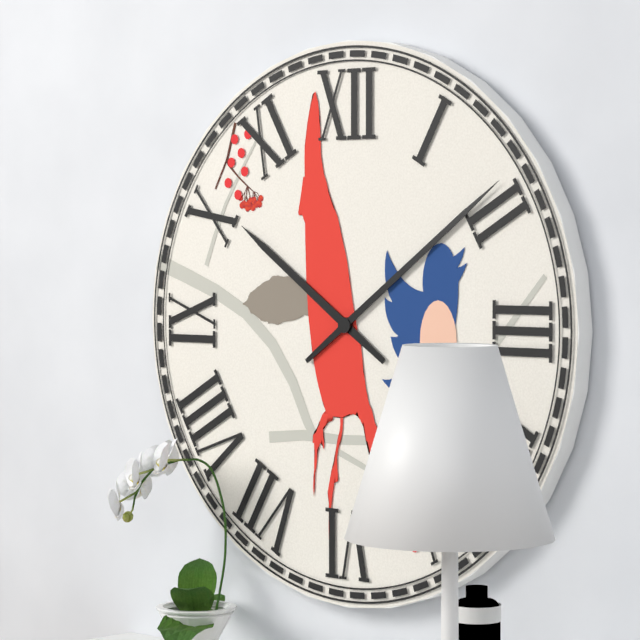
10 h 09 min
